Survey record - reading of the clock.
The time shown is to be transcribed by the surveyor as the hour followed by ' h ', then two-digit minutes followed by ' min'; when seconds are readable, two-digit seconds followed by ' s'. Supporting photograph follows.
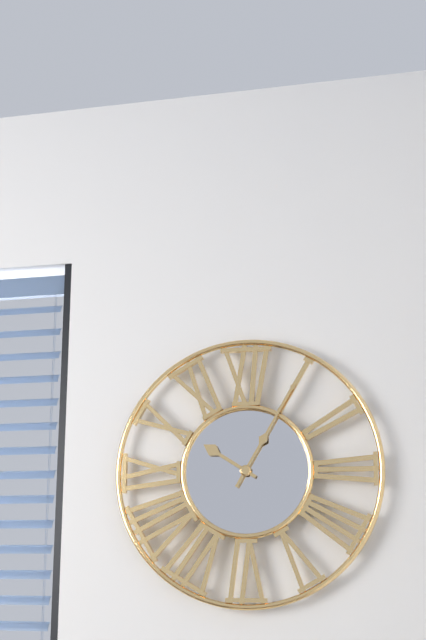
10 h 05 min
